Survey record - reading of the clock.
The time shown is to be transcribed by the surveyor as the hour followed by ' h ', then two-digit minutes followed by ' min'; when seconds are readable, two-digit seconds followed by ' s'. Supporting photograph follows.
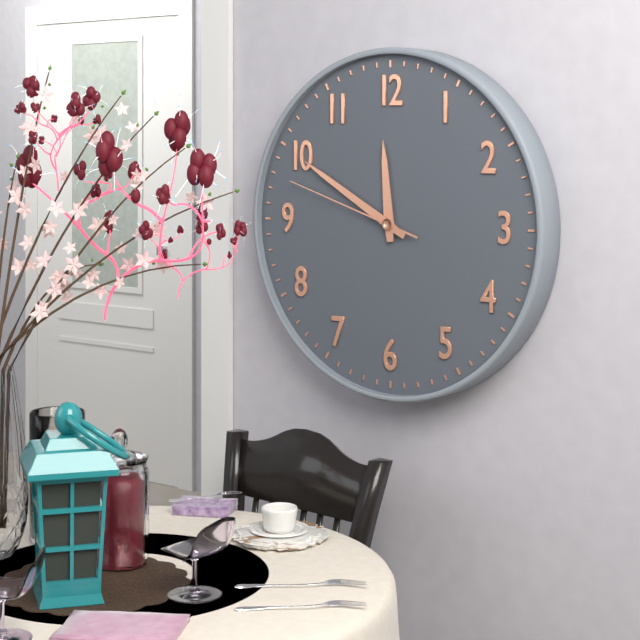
11 h 50 min 48 s
